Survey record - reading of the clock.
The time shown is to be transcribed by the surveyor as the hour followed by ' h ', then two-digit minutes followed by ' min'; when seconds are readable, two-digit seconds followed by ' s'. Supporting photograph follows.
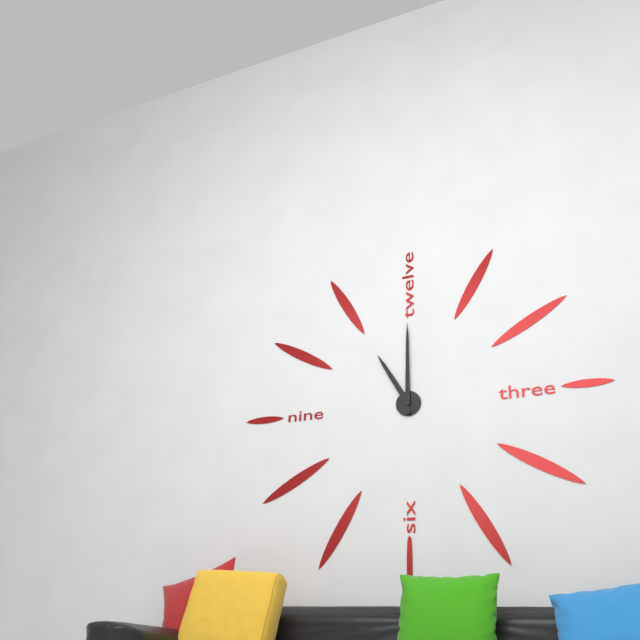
11 h 00 min
